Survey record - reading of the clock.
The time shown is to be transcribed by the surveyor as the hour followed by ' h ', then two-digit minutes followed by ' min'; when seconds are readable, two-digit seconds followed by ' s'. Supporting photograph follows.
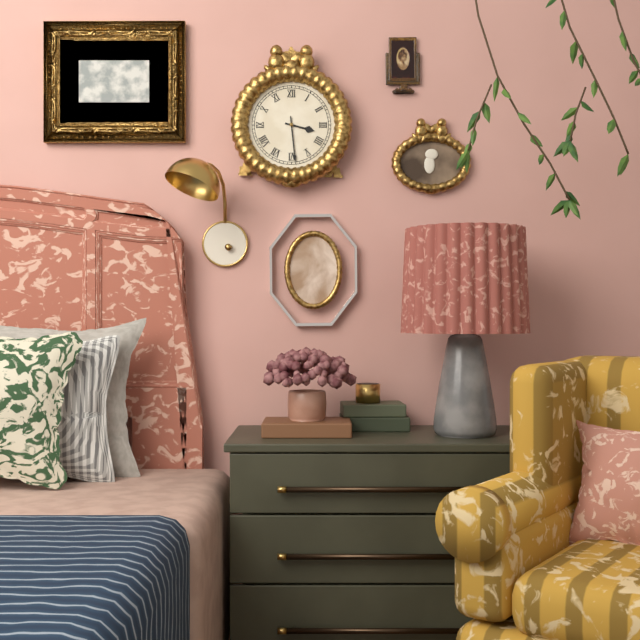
3 h 29 min
